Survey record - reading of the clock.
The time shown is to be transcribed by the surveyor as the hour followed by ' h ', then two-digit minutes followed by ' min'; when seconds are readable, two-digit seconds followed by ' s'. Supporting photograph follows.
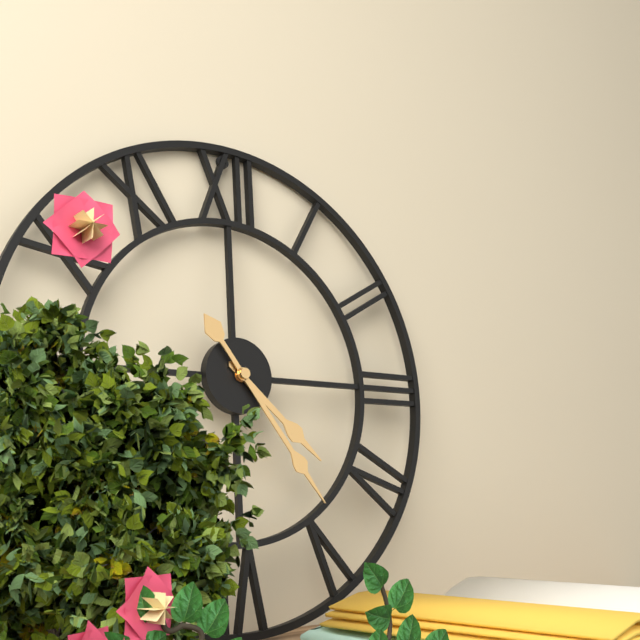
4 h 24 min
